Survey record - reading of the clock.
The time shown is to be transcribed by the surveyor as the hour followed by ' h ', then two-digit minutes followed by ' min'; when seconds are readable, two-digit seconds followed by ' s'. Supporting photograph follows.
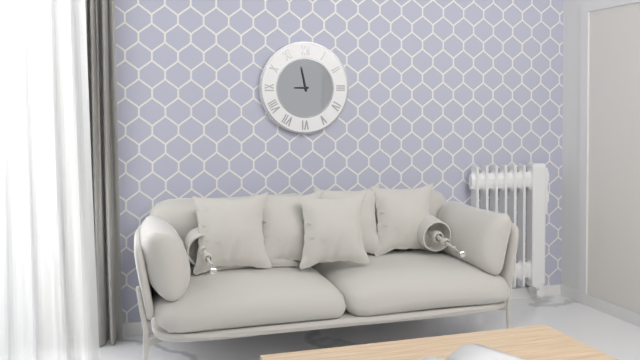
8 h 58 min
